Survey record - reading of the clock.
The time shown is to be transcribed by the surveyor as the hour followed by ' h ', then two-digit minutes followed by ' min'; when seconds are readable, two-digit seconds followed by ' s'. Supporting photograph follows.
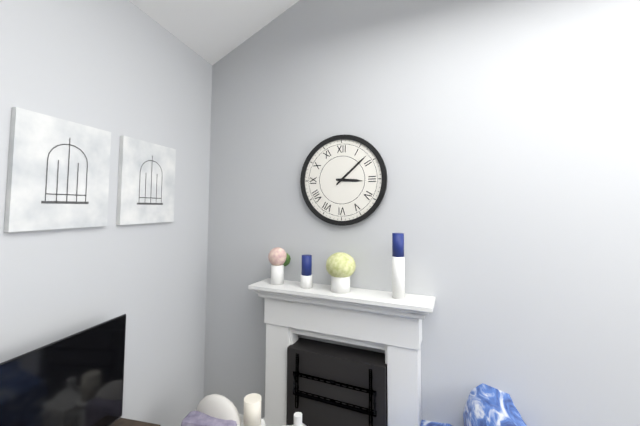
3 h 08 min
